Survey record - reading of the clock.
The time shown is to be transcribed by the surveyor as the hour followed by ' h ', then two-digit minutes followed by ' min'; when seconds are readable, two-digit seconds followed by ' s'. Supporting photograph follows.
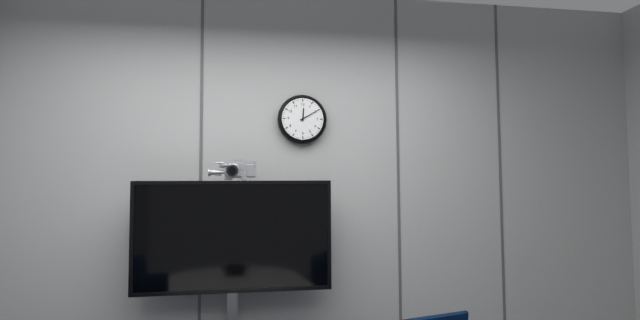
12 h 10 min
